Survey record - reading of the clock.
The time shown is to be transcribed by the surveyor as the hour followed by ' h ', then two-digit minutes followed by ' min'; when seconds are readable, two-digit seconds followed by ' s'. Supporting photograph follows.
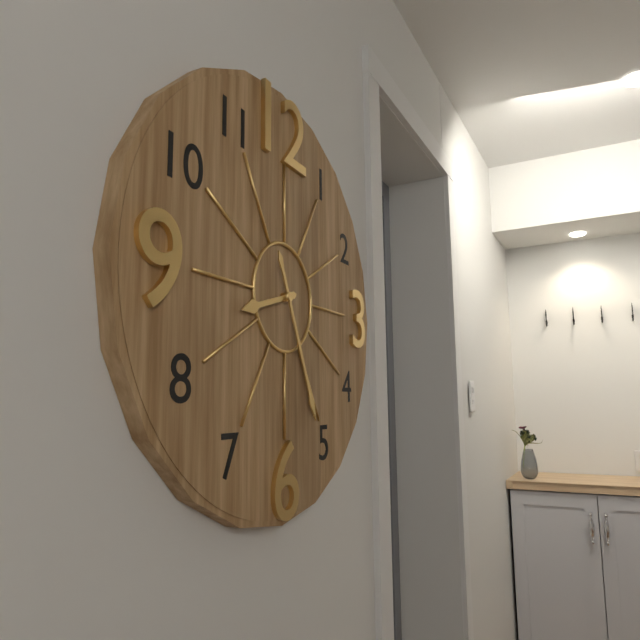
8 h 26 min
